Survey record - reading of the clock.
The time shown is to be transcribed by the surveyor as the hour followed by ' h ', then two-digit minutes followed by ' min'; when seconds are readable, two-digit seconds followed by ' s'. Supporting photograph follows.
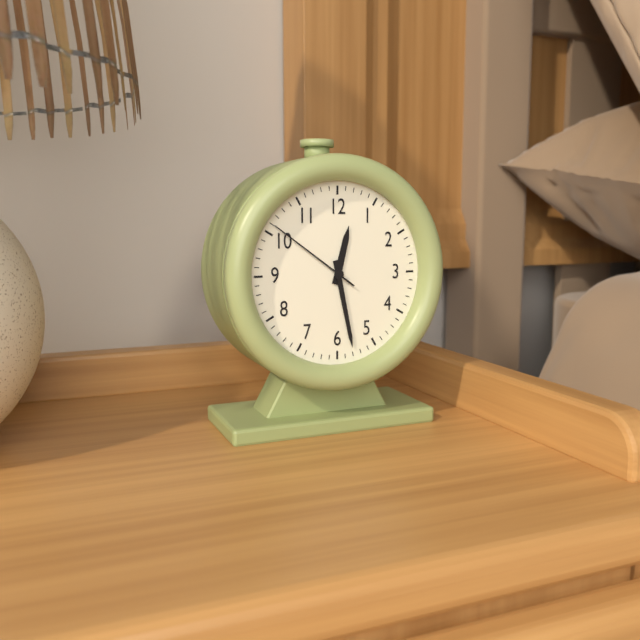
12 h 28 min 51 s
